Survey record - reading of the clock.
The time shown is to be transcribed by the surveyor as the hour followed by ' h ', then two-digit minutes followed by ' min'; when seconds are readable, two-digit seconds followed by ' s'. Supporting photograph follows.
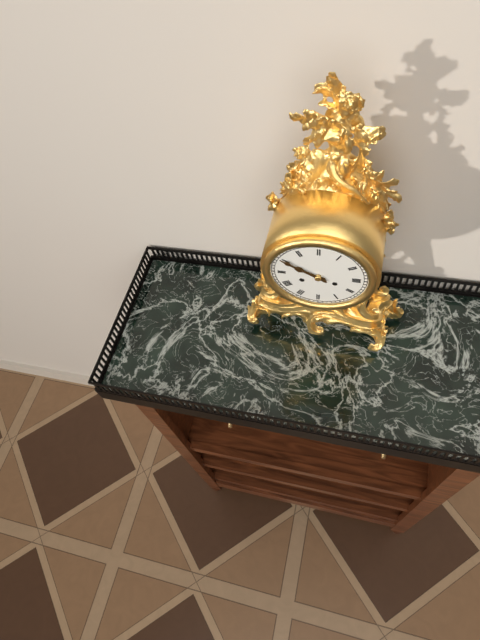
9 h 50 min
